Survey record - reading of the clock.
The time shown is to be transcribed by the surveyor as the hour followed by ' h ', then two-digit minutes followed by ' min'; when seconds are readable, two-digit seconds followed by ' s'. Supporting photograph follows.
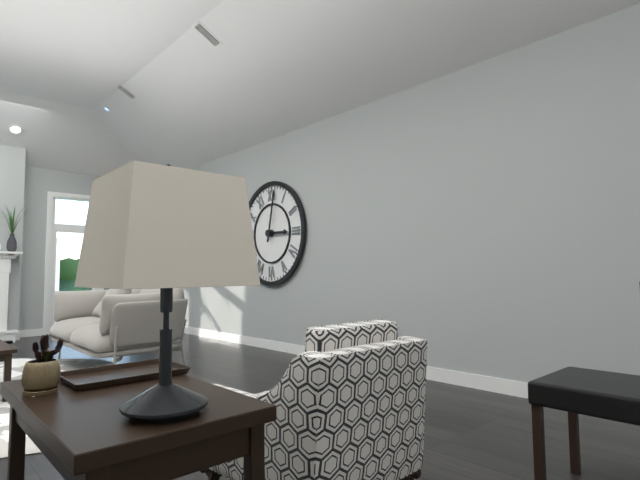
3 h 02 min
